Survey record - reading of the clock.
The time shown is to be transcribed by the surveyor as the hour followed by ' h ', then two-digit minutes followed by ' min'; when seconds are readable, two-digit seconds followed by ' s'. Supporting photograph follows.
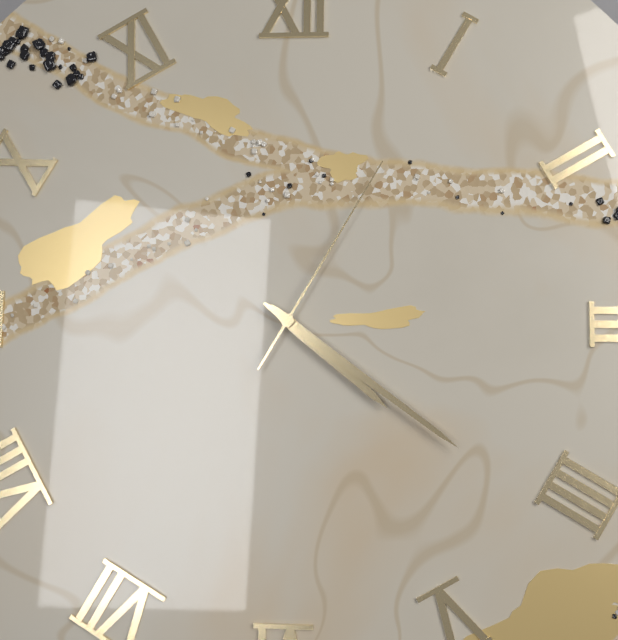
4 h 21 min 05 s
